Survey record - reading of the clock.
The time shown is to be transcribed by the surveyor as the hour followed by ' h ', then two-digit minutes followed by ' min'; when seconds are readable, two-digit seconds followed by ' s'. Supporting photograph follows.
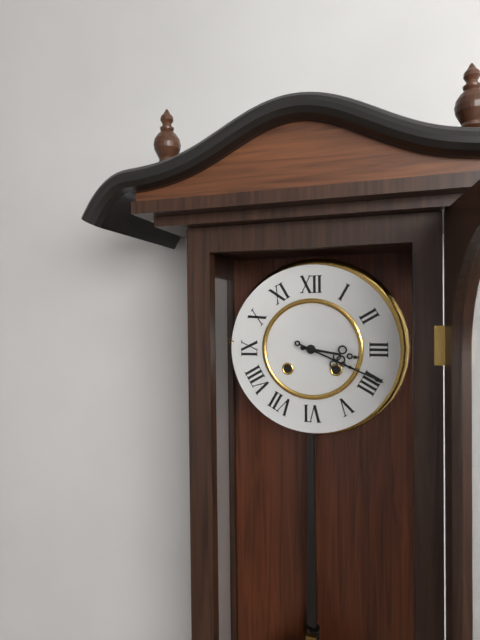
3 h 19 min
